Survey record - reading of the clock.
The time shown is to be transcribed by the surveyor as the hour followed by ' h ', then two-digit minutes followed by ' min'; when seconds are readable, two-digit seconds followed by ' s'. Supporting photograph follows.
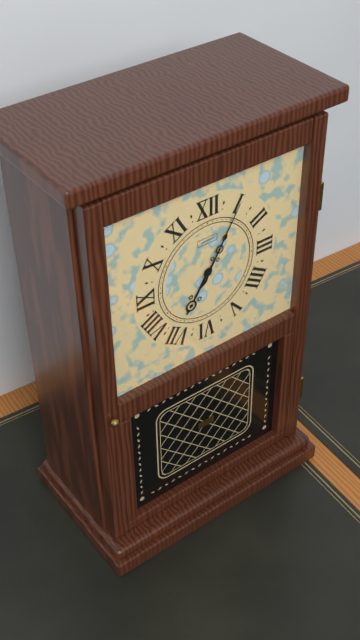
7 h 05 min
